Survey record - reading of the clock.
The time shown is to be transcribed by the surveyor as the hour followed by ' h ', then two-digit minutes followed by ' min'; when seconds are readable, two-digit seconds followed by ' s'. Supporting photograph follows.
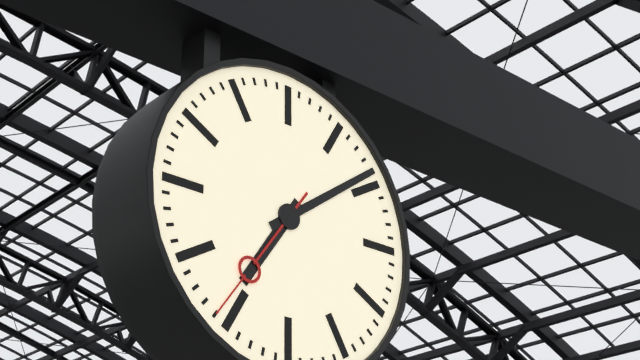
7 h 09 min 36 s
